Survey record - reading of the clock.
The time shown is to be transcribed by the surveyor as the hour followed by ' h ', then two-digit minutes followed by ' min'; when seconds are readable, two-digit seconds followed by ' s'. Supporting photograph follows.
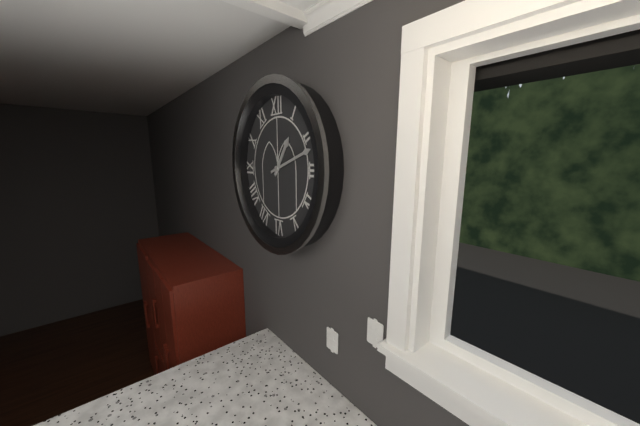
1 h 12 min
